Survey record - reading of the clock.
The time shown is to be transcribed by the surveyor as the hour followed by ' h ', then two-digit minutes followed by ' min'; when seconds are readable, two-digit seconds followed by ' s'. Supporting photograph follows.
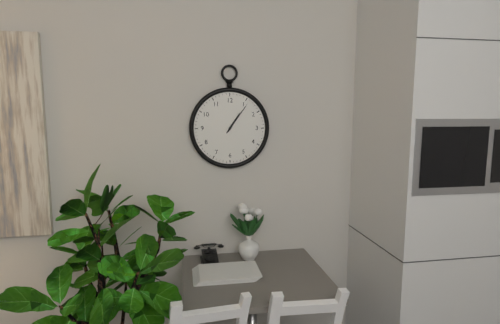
1 h 06 min
